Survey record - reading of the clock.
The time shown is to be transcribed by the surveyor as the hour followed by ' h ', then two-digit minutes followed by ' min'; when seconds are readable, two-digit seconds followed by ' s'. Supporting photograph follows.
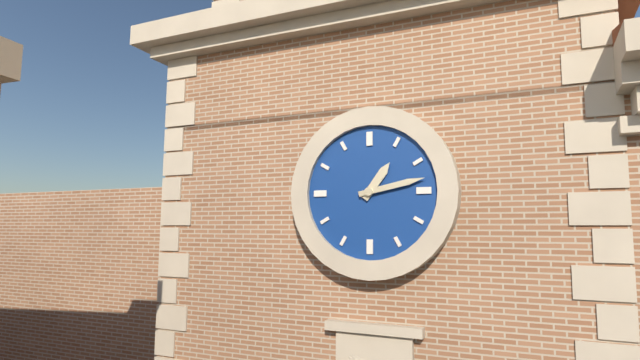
1 h 13 min
